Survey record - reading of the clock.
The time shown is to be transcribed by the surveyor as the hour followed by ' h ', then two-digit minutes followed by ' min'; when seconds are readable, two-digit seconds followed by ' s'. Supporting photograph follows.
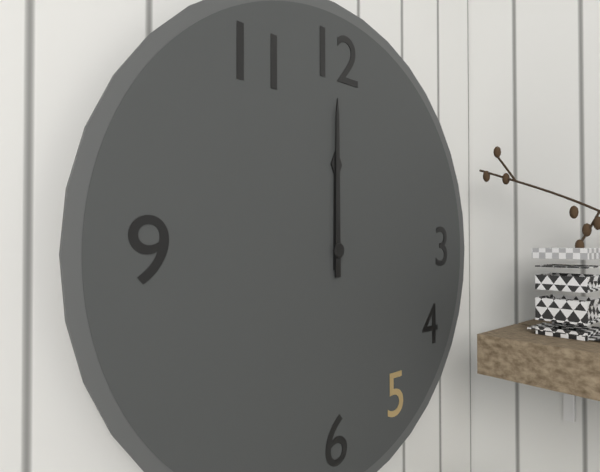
12 h 00 min
